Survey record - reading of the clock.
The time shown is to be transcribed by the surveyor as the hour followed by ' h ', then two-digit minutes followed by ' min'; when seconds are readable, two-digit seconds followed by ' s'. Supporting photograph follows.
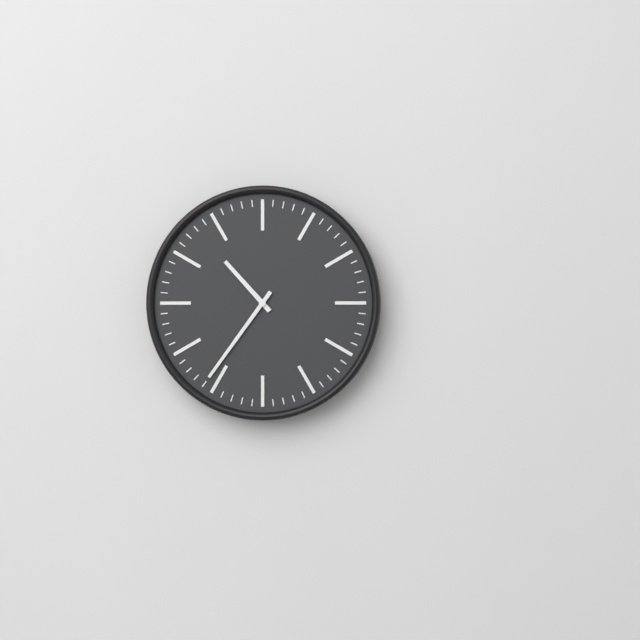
10 h 36 min
